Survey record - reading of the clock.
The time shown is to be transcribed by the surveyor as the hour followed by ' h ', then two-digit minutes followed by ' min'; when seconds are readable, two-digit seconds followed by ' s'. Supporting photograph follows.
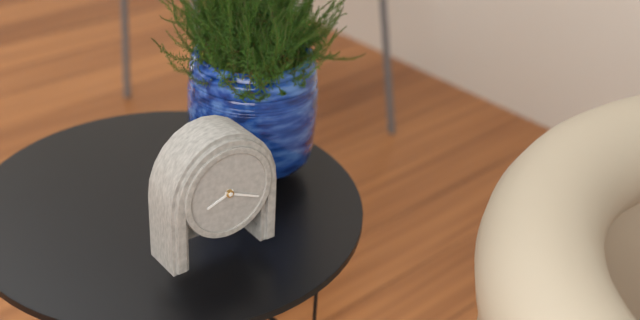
8 h 19 min
